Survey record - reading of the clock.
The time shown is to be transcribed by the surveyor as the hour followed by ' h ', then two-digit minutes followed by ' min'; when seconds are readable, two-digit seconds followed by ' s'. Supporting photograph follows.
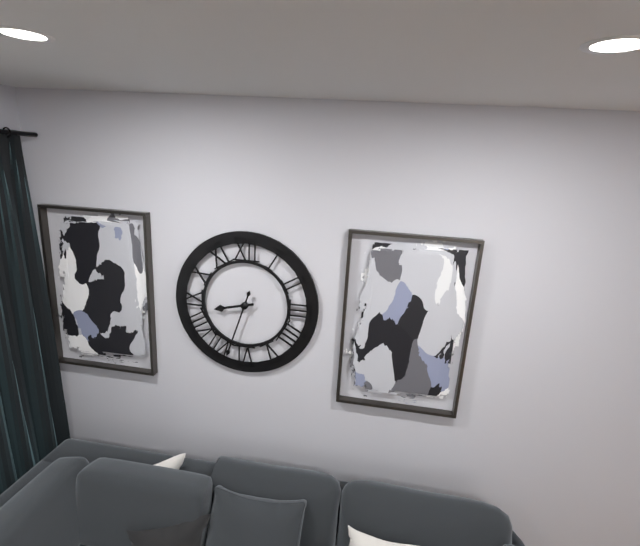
8 h 33 min
